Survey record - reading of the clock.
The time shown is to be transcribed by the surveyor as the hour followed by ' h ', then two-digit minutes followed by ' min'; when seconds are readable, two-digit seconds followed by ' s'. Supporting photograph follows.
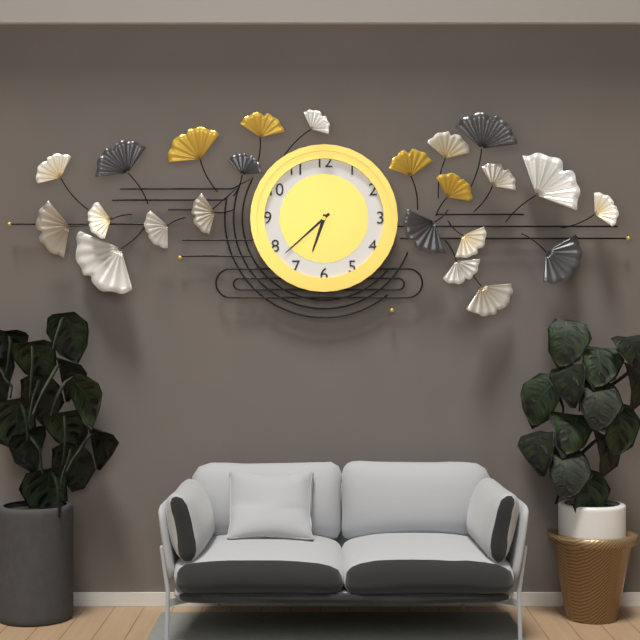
6 h 38 min
